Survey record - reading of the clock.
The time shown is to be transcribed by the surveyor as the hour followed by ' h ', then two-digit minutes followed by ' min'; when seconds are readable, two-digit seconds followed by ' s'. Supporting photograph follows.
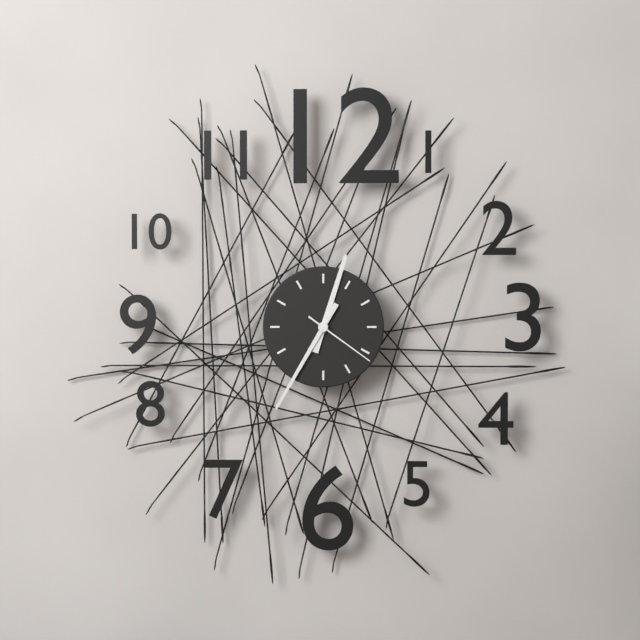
12 h 35 min 21 s
